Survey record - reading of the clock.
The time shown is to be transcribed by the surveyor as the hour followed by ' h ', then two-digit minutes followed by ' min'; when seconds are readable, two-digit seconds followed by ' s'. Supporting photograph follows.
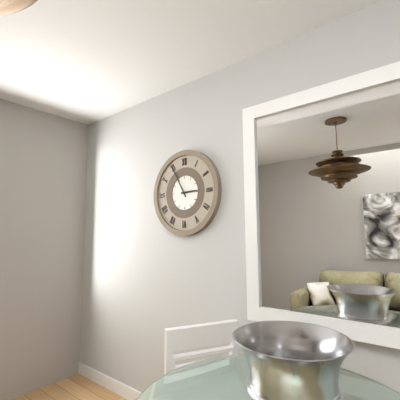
2 h 55 min
